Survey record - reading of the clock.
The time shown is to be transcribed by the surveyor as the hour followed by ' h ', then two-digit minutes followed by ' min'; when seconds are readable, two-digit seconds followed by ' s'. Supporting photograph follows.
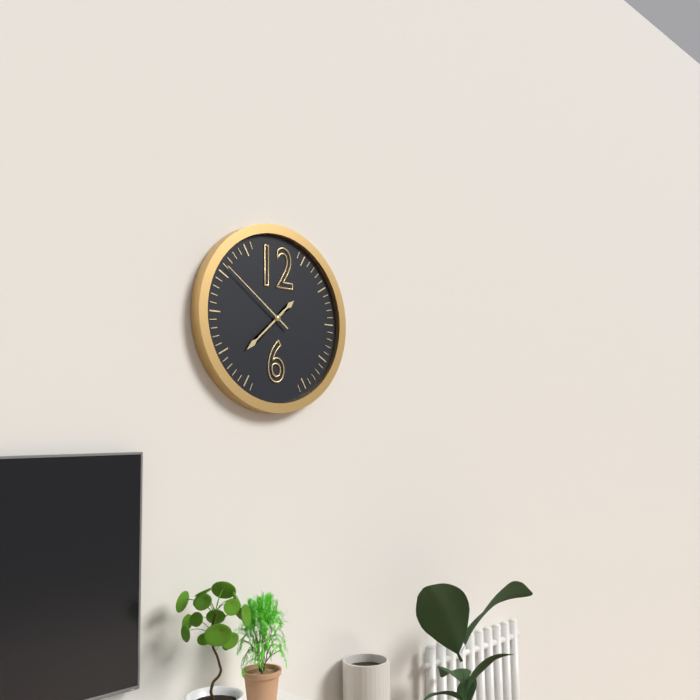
1 h 38 min 51 s
